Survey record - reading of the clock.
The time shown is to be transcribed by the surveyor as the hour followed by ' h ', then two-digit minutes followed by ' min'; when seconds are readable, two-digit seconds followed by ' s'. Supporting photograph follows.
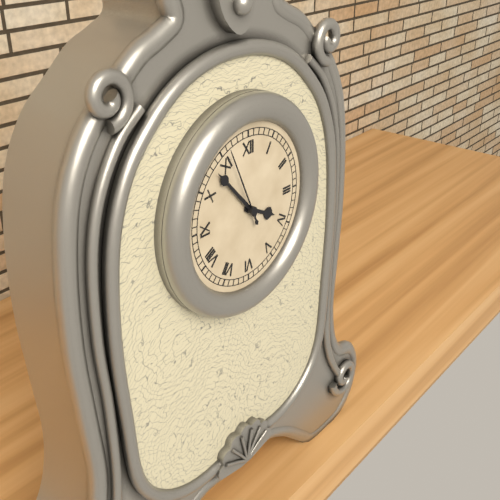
3 h 53 min 56 s
